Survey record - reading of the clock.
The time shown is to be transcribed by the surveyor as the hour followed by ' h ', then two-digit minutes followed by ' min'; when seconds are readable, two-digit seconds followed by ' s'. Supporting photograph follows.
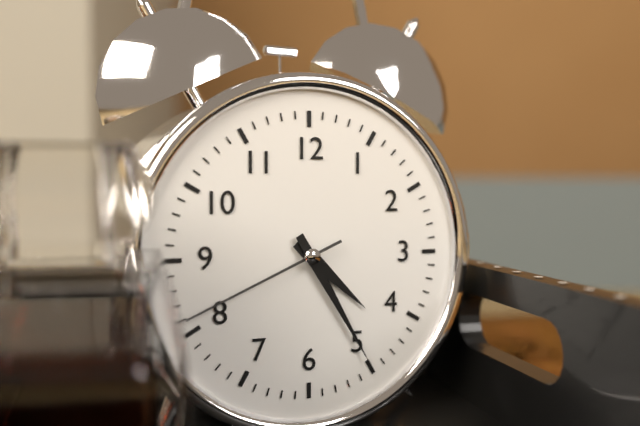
4 h 25 min 41 s
